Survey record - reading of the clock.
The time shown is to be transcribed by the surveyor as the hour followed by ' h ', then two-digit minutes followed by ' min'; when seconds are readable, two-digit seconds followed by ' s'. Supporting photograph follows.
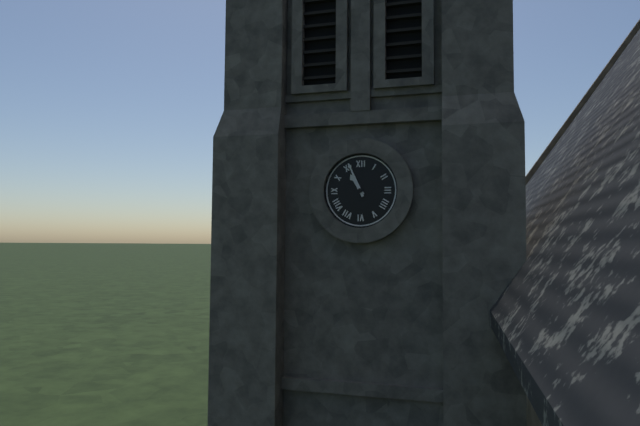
10 h 56 min
